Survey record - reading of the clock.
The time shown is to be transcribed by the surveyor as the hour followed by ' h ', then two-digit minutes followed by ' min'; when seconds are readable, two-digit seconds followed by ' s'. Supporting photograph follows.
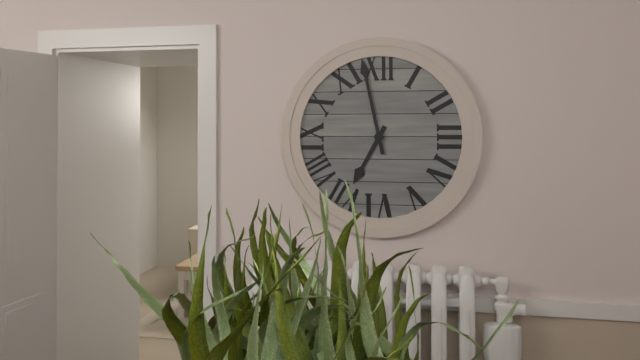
6 h 58 min
